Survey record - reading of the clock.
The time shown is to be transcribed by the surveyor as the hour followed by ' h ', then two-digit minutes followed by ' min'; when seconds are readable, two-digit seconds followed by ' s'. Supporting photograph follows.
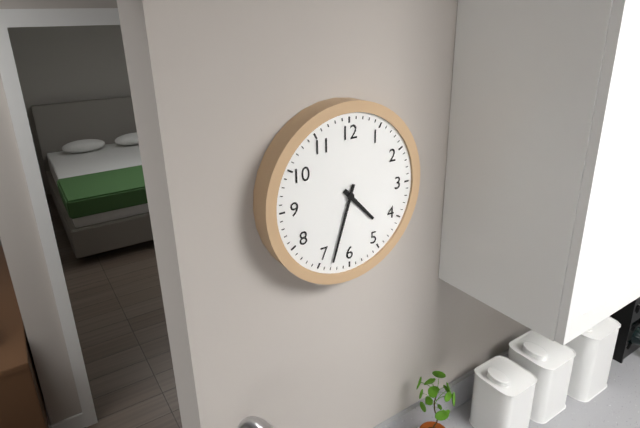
4 h 33 min
